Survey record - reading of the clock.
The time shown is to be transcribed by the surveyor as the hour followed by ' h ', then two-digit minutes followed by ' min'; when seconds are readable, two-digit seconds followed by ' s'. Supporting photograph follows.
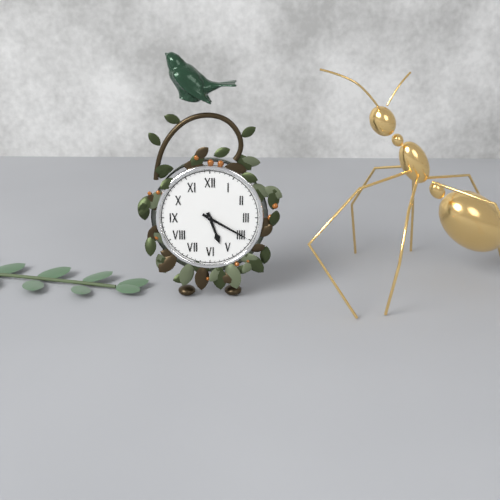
5 h 20 min
